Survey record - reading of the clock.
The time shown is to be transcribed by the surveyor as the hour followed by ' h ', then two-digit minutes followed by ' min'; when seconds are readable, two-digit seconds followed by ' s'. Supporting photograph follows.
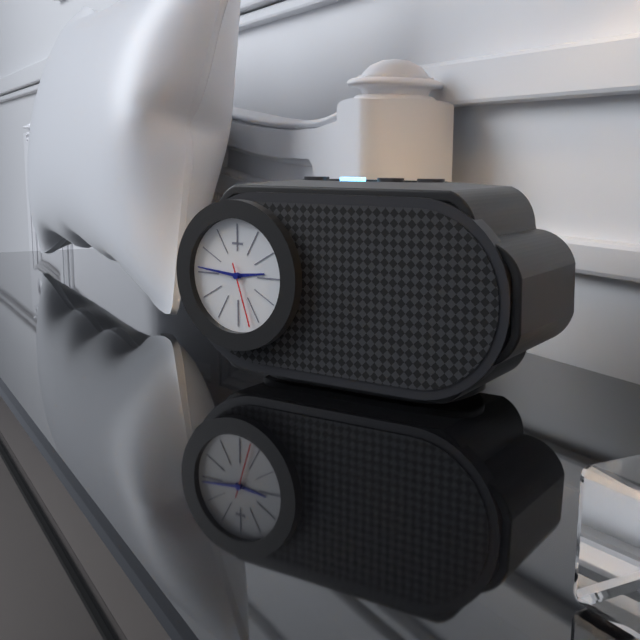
2 h 46 min 27 s
